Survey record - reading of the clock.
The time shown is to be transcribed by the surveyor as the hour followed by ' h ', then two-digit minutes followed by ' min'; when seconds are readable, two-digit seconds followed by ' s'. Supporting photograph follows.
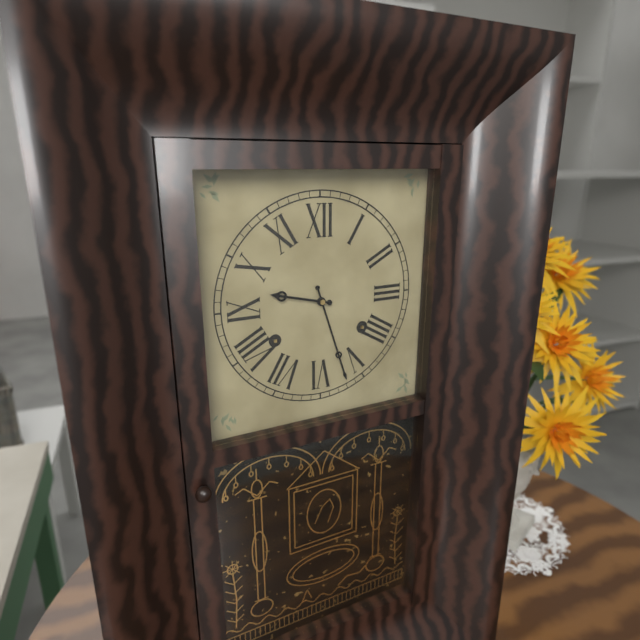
9 h 27 min
